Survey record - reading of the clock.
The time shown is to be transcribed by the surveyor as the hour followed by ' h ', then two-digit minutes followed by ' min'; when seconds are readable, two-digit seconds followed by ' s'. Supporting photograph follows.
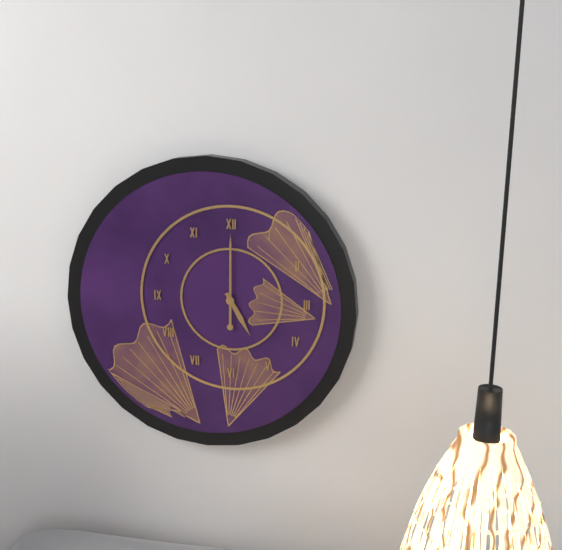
5 h 00 min
